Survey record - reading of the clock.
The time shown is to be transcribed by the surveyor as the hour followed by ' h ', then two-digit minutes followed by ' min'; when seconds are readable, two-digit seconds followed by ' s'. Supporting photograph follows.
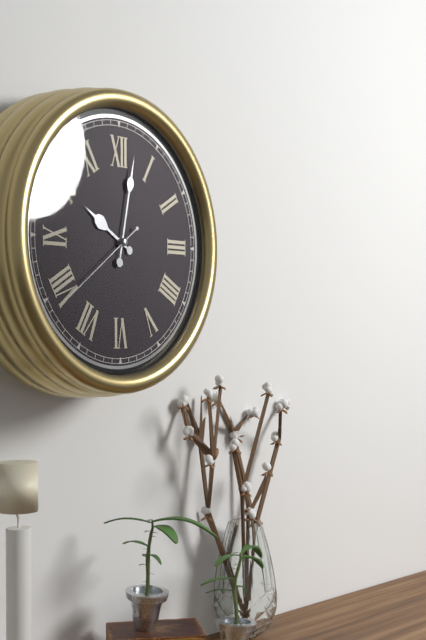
10 h 02 min 39 s
